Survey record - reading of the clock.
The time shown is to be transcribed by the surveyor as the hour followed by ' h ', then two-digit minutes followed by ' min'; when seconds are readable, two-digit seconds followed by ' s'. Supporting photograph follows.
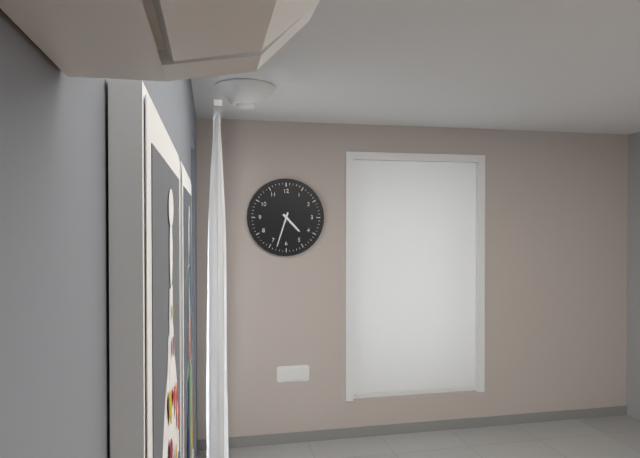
4 h 33 min
